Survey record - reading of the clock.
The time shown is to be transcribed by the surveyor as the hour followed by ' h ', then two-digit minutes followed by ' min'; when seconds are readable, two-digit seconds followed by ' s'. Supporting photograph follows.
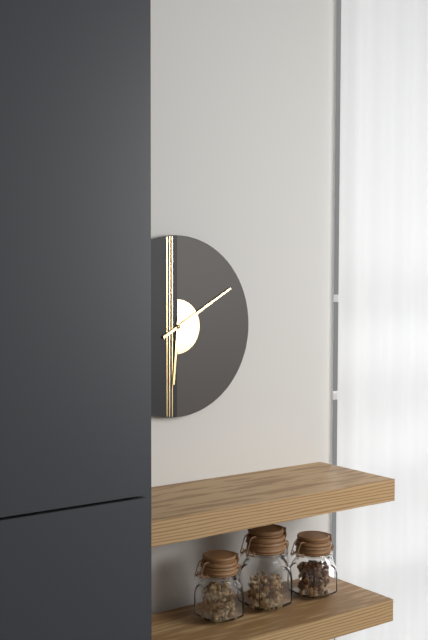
6 h 10 min
